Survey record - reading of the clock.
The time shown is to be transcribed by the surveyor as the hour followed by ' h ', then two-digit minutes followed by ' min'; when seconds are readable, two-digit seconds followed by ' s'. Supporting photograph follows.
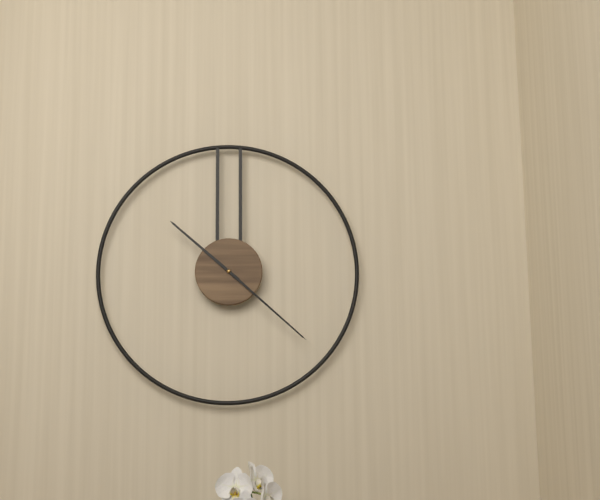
10 h 22 min
